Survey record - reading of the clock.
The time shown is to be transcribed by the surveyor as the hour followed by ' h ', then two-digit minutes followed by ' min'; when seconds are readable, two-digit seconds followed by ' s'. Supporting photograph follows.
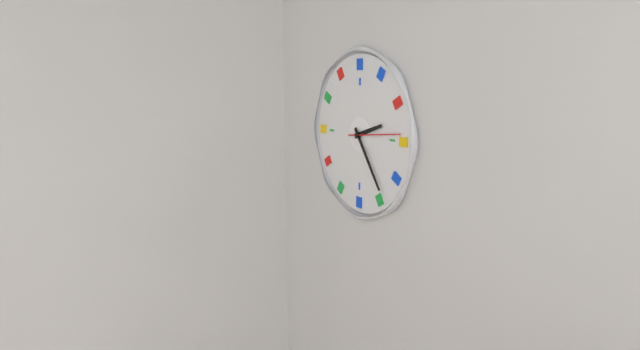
2 h 24 min 14 s
